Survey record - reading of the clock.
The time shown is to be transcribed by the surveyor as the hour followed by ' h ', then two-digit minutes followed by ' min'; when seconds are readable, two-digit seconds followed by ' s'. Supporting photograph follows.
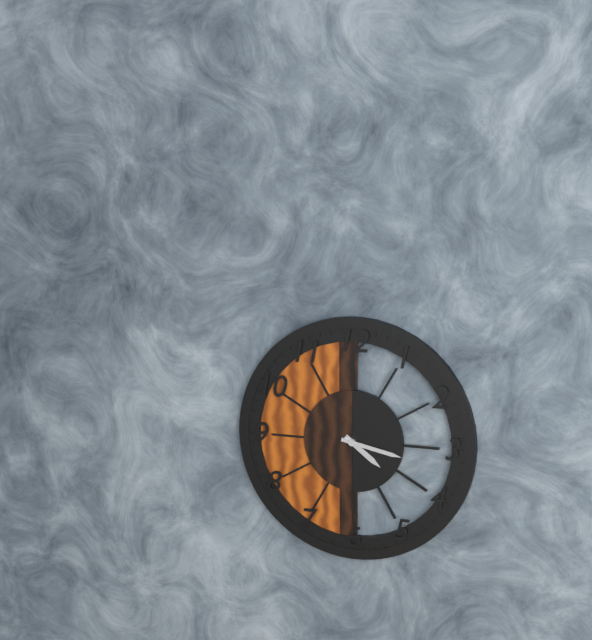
4 h 17 min
